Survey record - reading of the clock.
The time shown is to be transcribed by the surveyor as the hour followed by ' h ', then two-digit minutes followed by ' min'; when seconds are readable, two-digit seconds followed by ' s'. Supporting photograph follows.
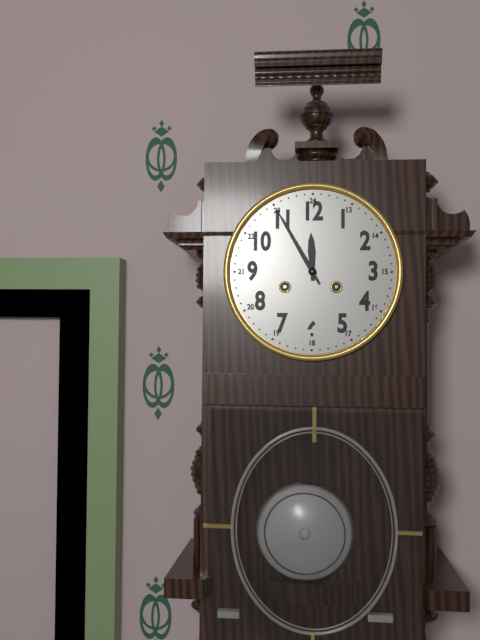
11 h 55 min
